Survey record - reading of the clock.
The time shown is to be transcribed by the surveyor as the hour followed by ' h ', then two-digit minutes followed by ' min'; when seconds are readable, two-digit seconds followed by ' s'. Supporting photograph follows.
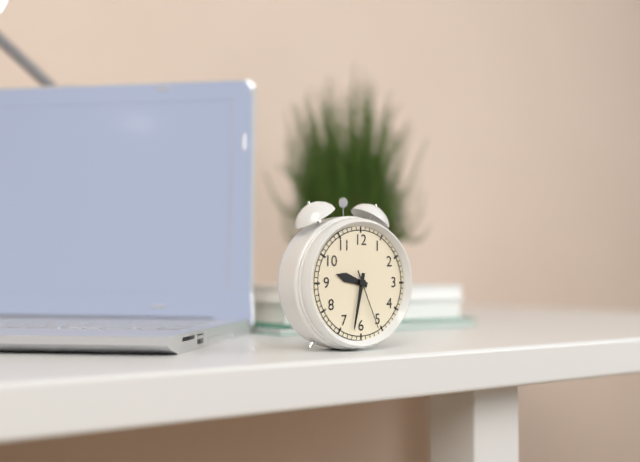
9 h 32 min 26 s
